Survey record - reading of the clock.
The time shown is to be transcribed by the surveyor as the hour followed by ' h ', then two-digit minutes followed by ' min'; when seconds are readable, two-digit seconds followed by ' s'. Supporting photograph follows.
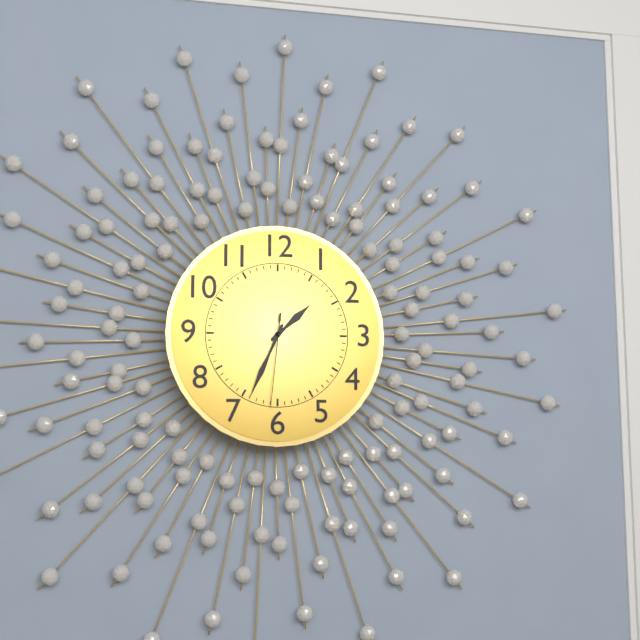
1 h 34 min 31 s
